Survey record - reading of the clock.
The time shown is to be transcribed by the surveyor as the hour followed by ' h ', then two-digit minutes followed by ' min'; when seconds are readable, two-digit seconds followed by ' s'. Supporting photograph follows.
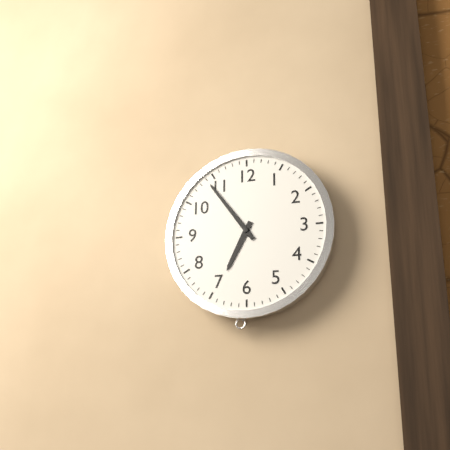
6 h 54 min
